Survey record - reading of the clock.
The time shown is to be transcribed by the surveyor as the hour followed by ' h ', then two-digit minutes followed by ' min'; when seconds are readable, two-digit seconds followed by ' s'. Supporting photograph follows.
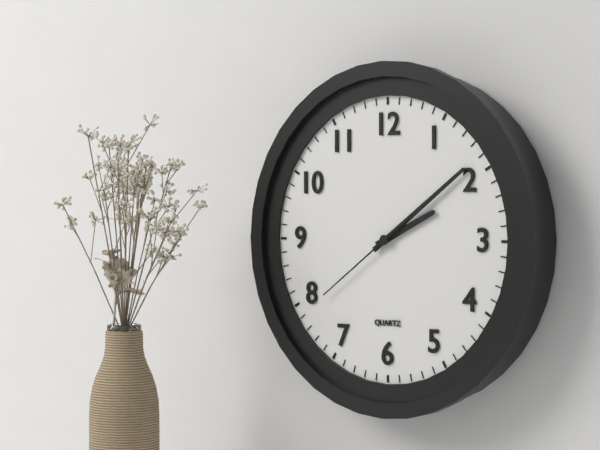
2 h 09 min 39 s
